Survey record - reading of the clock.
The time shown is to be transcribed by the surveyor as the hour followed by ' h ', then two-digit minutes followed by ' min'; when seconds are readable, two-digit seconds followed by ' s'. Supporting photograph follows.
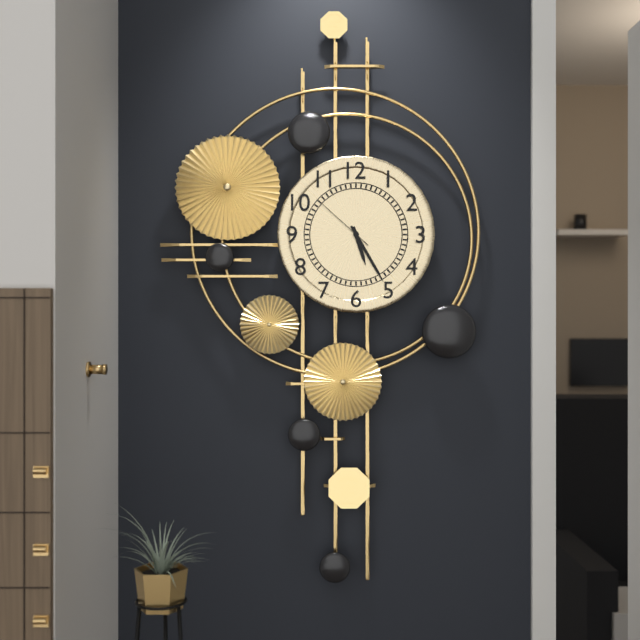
5 h 25 min 52 s
